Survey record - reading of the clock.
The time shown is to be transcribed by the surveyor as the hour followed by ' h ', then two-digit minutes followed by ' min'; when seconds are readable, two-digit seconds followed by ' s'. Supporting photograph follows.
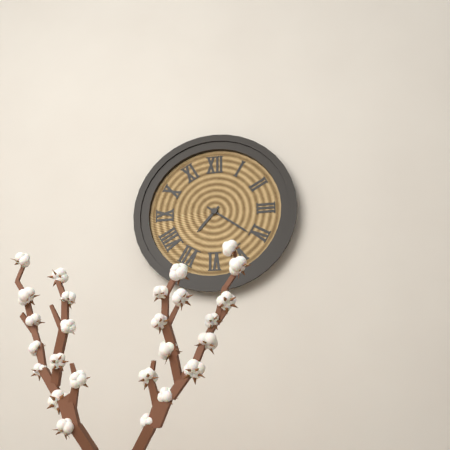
7 h 21 min
